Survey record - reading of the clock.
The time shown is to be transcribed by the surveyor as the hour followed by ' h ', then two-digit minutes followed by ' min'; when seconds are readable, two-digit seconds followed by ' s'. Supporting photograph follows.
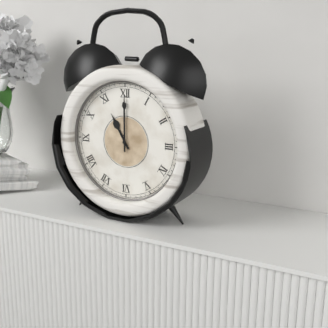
11 h 00 min
